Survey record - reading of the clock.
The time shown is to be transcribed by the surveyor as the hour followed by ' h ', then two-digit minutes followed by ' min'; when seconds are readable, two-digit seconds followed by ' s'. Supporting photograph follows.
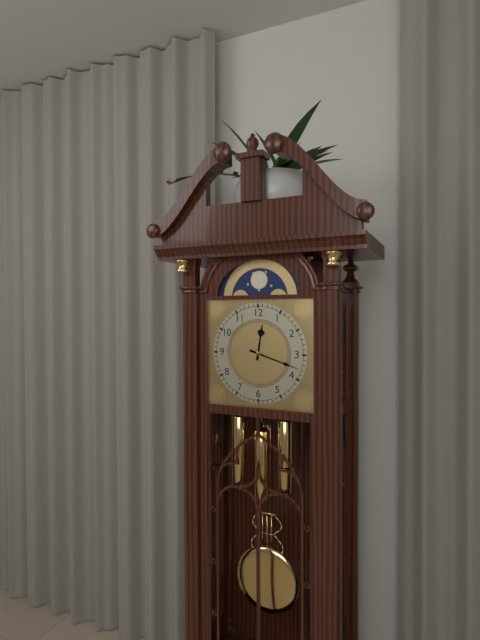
12 h 18 min
